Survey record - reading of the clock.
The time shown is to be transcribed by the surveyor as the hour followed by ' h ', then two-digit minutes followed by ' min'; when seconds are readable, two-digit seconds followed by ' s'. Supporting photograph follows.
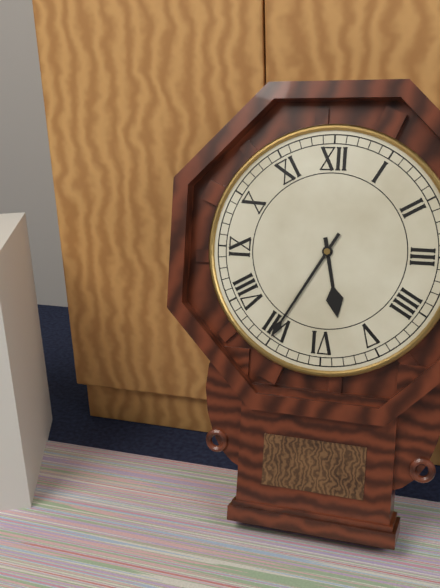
5 h 35 min
